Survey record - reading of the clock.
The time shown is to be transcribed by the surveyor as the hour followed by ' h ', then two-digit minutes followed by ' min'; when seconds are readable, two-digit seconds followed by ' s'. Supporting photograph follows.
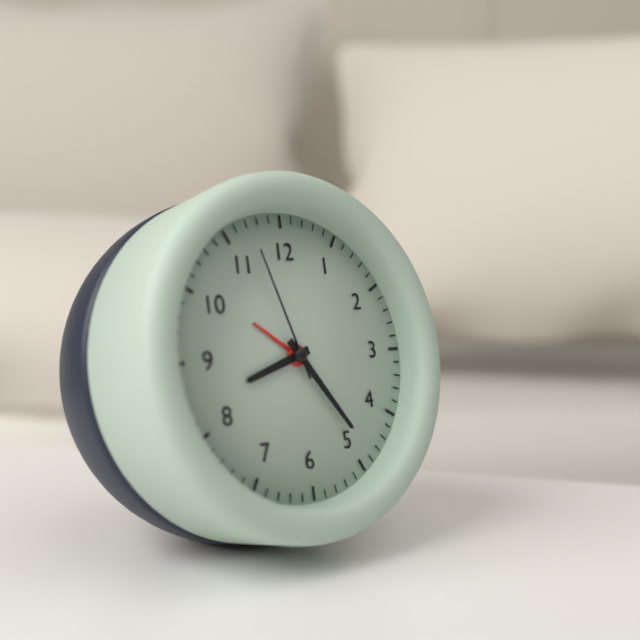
8 h 24 min 57 s
